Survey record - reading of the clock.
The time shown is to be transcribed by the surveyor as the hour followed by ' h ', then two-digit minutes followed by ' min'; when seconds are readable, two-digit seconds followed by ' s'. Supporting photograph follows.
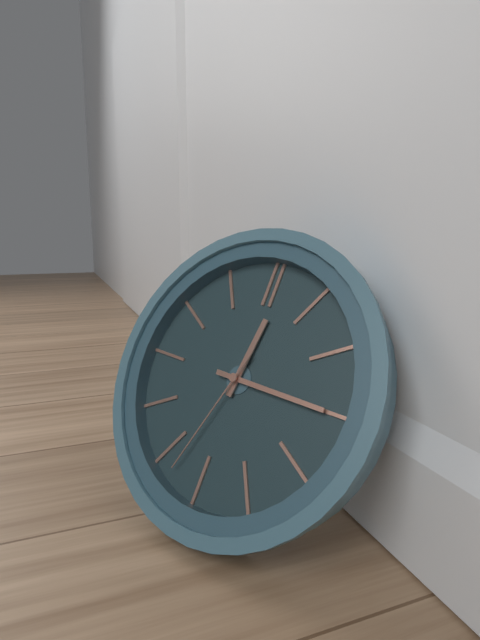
12 h 15 min 33 s
